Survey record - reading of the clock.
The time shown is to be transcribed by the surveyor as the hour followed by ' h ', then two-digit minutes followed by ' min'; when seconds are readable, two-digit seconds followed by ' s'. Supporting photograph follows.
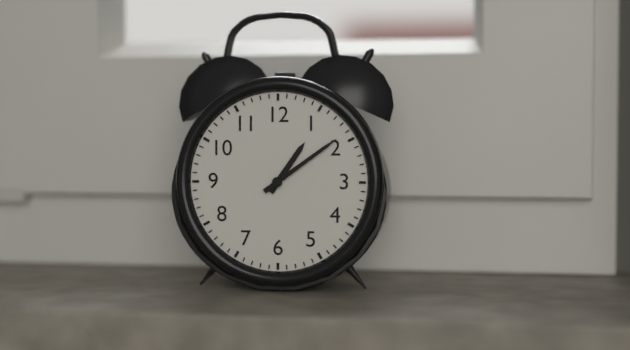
1 h 09 min
